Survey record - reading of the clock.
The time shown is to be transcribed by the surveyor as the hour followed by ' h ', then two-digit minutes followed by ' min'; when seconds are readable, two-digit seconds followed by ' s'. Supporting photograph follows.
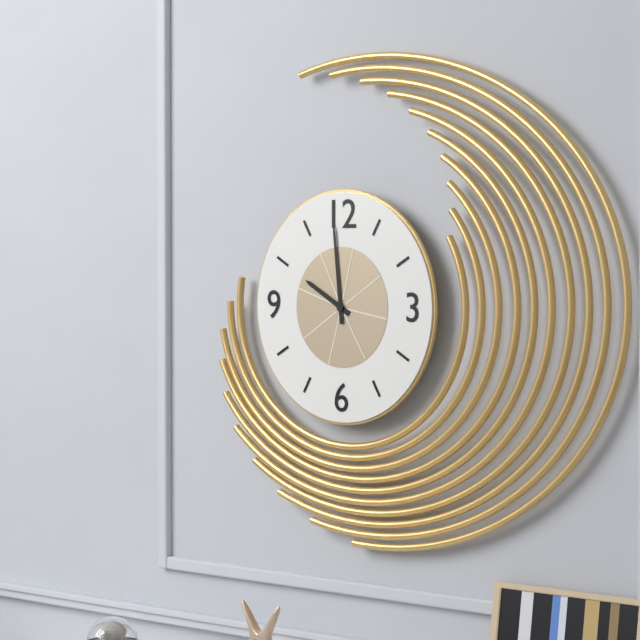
9 h 59 min
